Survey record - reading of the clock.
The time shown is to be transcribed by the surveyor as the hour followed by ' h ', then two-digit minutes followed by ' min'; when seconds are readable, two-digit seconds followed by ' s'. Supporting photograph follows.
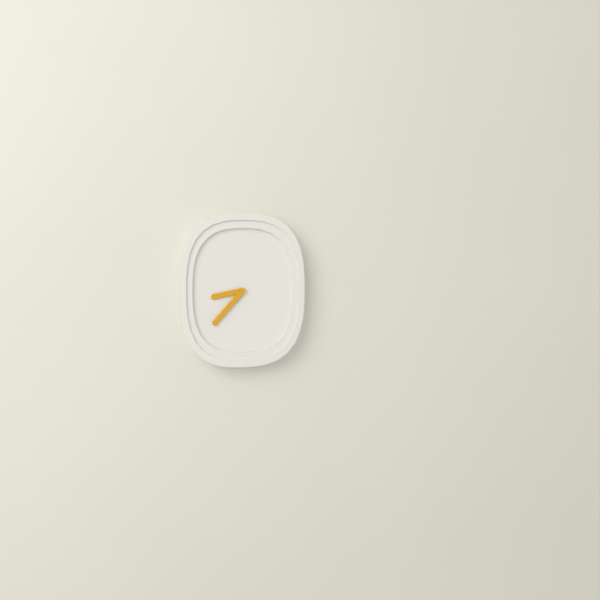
8 h 37 min
